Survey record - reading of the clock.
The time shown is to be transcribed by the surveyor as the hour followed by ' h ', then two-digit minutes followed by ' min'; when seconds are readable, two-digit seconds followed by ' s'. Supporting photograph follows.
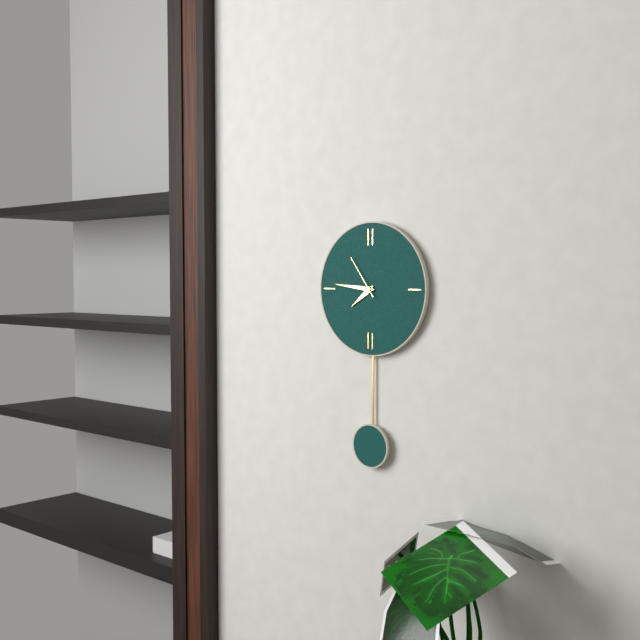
7 h 46 min 54 s
